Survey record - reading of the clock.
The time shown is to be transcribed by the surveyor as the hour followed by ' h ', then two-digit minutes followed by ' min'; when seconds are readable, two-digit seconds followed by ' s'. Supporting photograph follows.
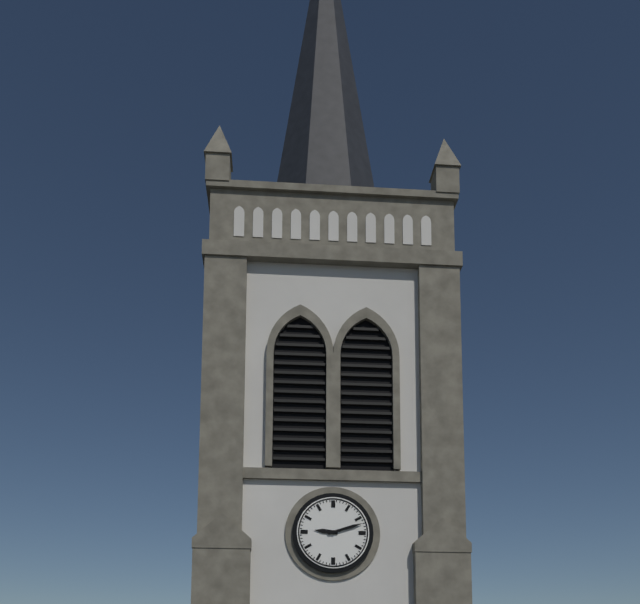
9 h 12 min
